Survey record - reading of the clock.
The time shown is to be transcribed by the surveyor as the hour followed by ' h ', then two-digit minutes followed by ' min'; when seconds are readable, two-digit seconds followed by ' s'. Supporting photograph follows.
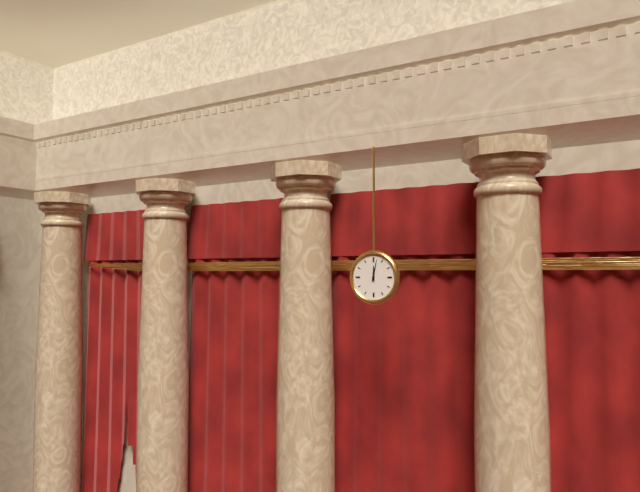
12 h 02 min
